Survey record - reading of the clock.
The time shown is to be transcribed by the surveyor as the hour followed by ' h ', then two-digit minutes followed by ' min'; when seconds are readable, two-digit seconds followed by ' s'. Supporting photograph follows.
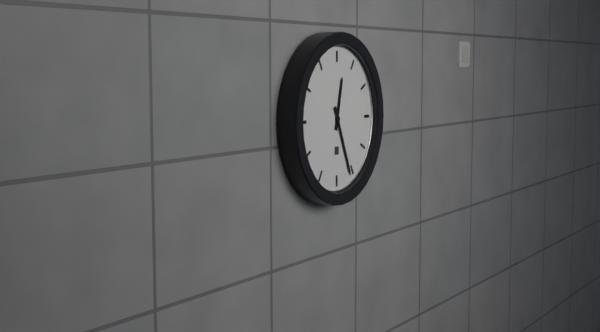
12 h 26 min
